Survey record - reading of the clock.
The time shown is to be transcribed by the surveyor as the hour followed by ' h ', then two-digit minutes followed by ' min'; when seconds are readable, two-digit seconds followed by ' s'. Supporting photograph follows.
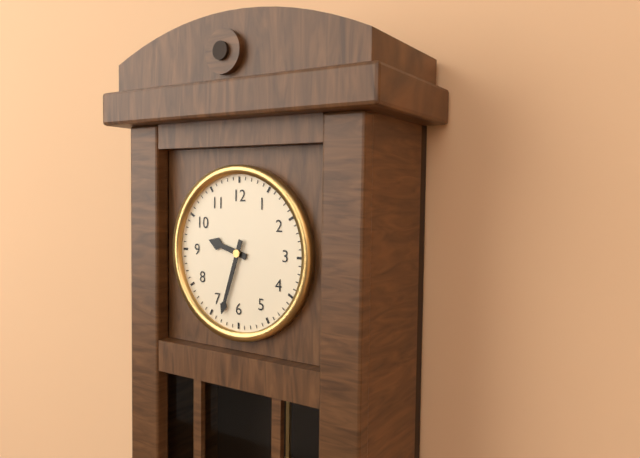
9 h 33 min
